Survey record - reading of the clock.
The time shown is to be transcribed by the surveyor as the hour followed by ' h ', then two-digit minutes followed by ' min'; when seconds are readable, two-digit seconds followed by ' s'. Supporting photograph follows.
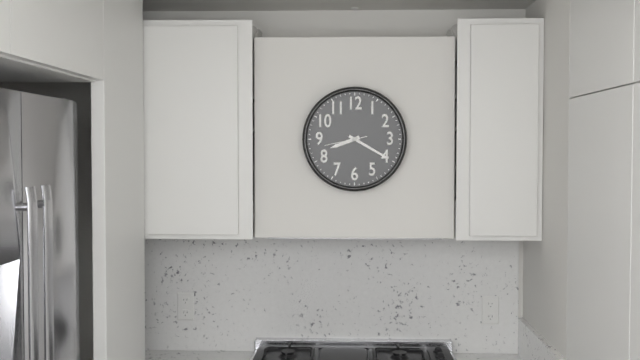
8 h 20 min
